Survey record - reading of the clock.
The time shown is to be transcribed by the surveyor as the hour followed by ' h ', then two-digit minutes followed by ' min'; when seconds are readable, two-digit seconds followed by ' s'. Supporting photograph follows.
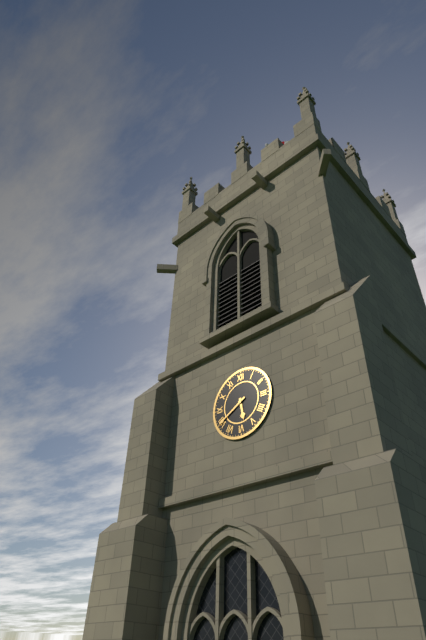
5 h 40 min
